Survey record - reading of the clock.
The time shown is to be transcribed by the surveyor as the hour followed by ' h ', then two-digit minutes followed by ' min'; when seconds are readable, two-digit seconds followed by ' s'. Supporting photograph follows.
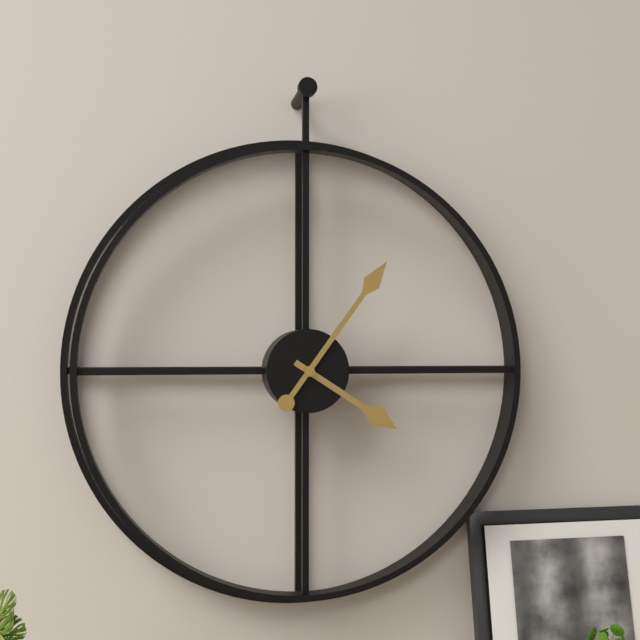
4 h 06 min
